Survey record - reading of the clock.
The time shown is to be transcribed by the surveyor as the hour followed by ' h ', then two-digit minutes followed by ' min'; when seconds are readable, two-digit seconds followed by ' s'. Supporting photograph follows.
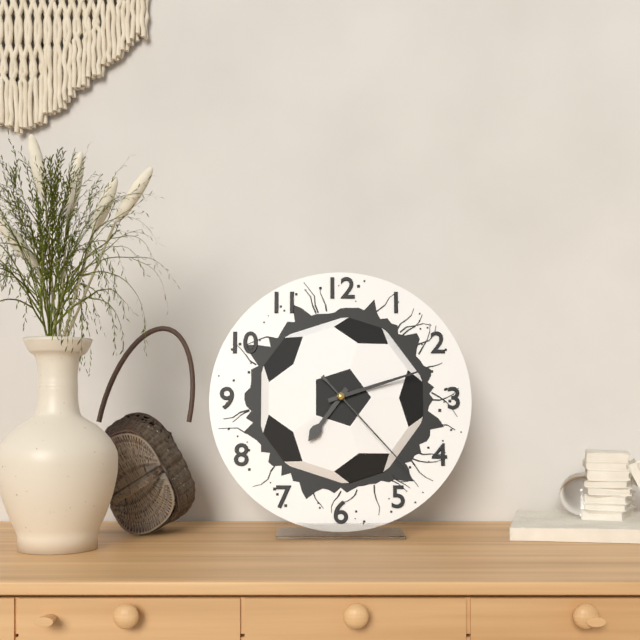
7 h 12 min 23 s
